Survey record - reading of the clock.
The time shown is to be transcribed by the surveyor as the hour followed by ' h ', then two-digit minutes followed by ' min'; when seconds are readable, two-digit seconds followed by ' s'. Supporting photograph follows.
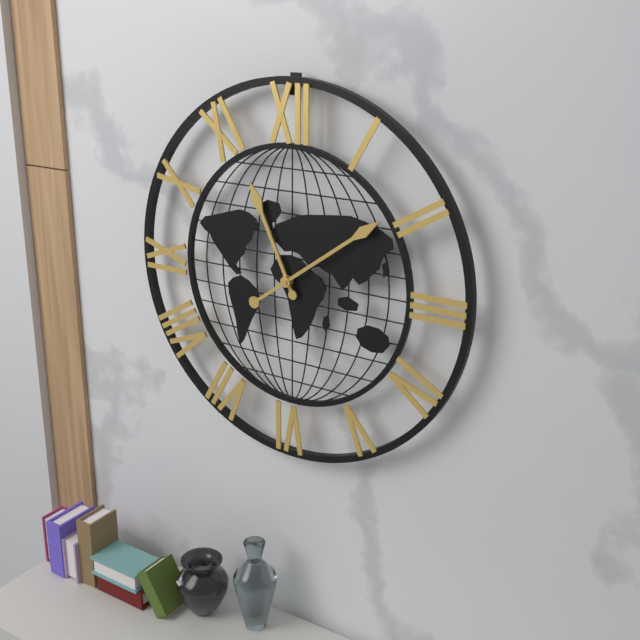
11 h 09 min
